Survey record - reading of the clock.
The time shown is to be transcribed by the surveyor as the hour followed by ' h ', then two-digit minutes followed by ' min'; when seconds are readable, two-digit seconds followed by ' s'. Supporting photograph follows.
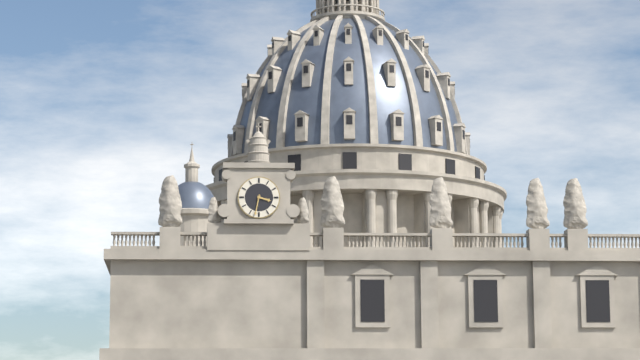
3 h 32 min
